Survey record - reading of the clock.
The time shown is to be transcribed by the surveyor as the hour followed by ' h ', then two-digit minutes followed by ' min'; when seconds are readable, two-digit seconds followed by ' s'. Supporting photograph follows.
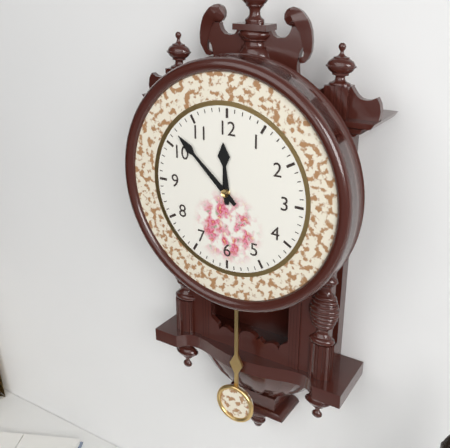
11 h 52 min
